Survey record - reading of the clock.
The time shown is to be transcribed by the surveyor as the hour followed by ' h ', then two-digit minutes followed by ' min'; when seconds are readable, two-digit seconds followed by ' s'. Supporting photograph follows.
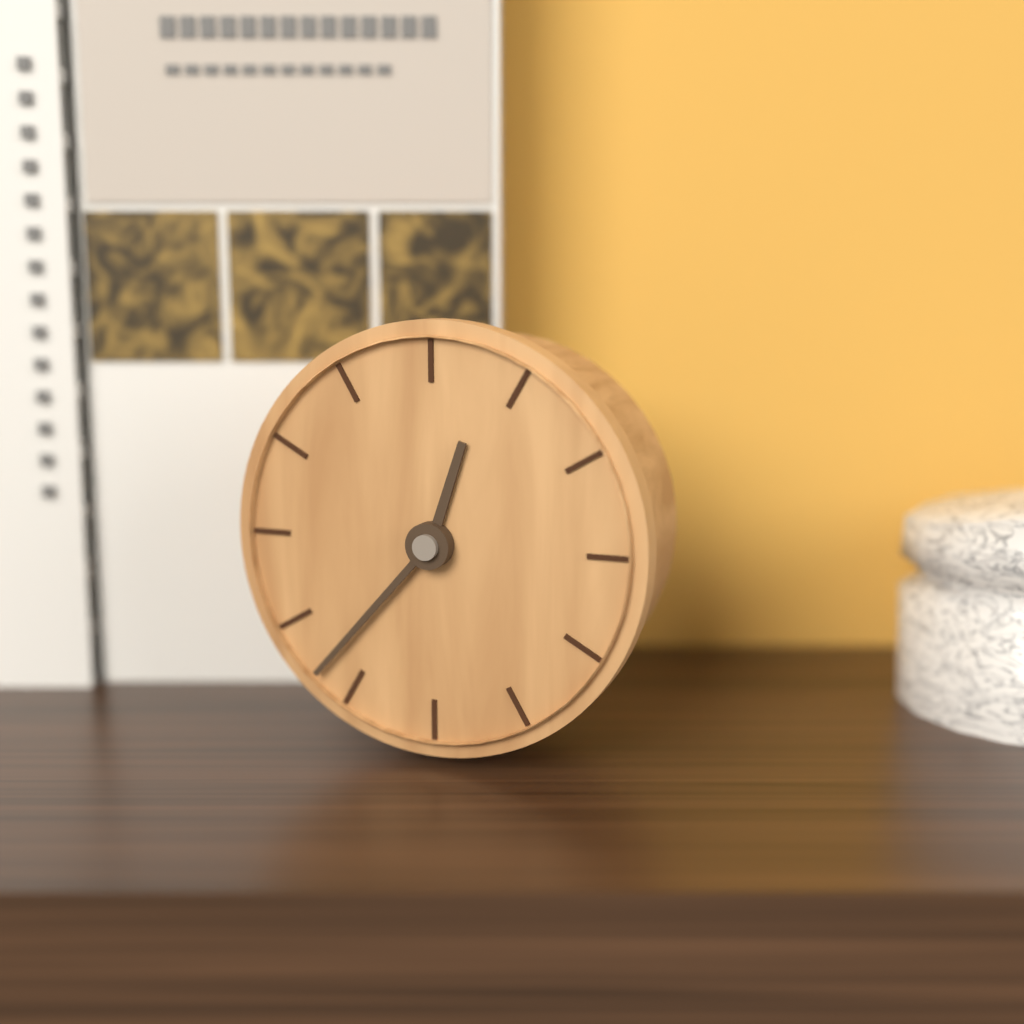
12 h 37 min
